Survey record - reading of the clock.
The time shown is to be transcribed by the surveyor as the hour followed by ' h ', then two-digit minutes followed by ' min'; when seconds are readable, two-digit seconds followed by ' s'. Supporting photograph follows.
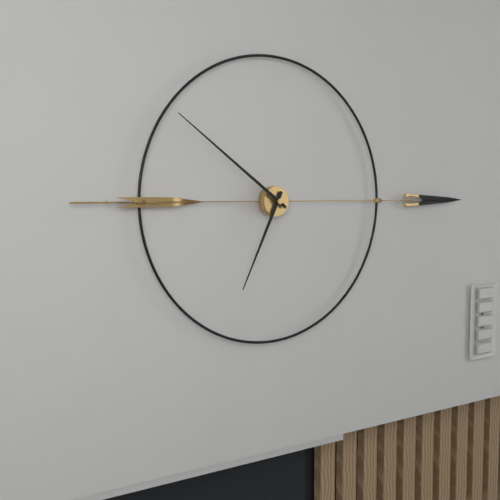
6 h 51 min
